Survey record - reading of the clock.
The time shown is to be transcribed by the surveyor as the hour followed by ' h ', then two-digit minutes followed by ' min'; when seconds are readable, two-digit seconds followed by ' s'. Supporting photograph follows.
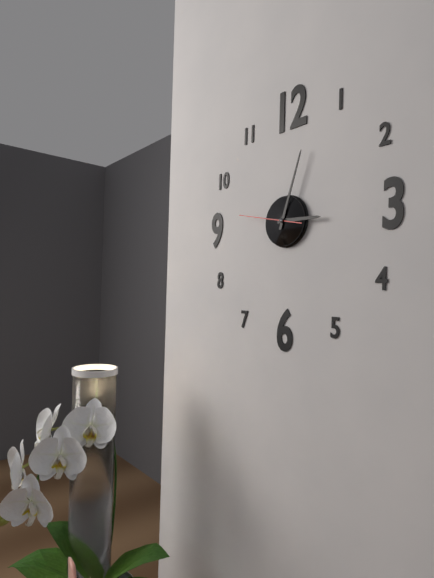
3 h 03 min 47 s
